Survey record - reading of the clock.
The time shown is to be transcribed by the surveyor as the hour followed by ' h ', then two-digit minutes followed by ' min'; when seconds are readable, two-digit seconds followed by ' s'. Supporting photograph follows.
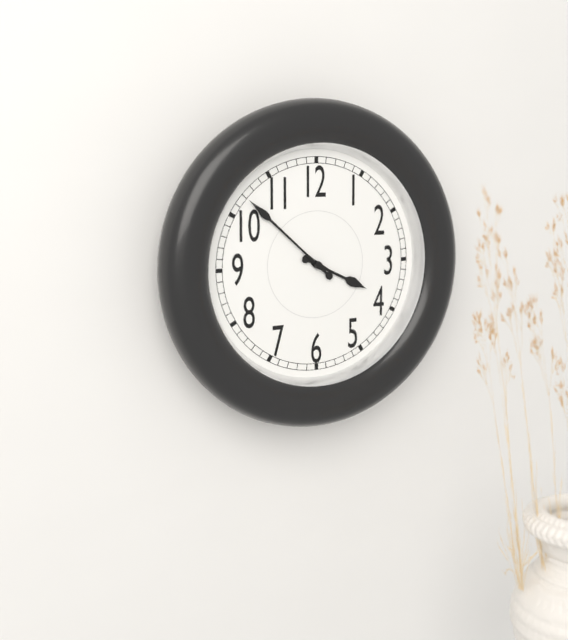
3 h 52 min
